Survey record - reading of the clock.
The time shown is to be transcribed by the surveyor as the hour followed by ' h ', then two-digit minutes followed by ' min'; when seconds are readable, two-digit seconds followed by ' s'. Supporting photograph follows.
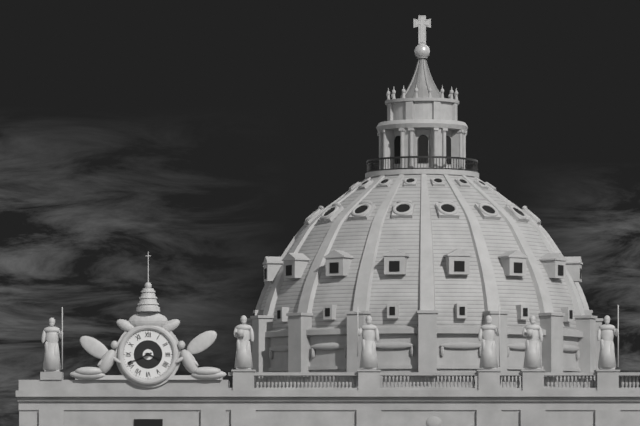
3 h 41 min
